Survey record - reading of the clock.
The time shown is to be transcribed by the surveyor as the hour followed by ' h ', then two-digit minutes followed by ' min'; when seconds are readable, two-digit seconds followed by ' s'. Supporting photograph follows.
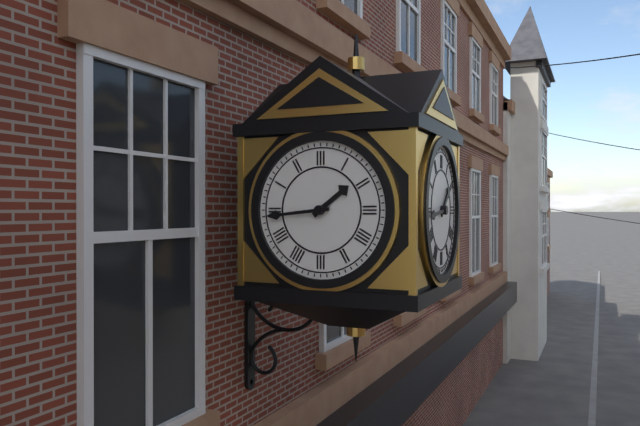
1 h 44 min
